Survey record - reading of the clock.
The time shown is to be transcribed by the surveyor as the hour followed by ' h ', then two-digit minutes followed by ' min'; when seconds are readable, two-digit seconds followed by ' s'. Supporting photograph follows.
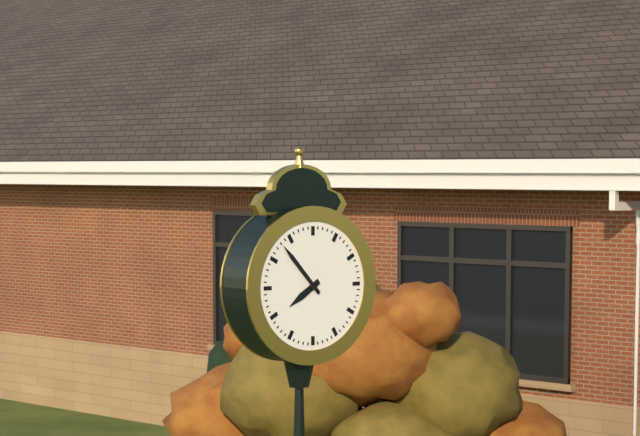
7 h 53 min
